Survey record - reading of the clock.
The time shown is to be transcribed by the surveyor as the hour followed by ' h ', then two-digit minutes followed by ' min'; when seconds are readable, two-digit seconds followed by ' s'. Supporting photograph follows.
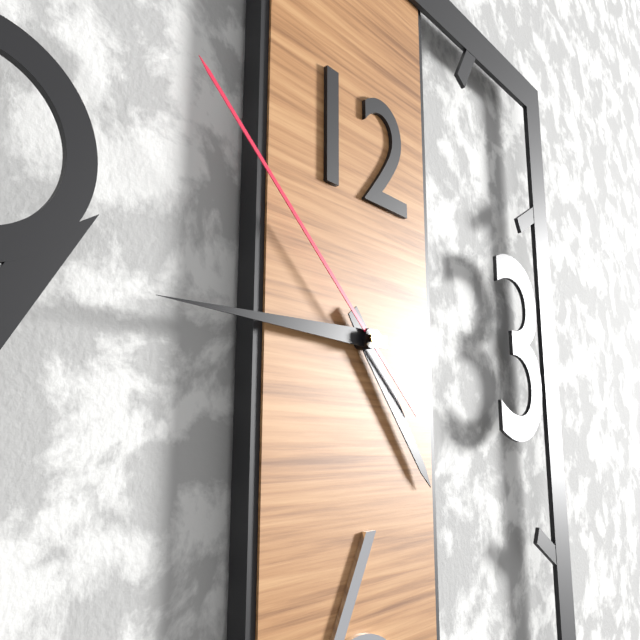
4 h 45 min 52 s
